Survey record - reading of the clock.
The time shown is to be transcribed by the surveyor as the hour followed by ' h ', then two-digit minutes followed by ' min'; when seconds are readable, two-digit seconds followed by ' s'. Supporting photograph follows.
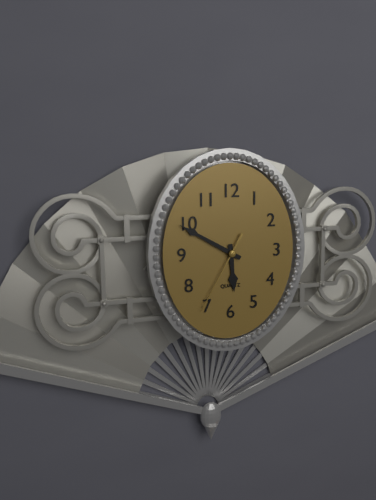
5 h 50 min 35 s
